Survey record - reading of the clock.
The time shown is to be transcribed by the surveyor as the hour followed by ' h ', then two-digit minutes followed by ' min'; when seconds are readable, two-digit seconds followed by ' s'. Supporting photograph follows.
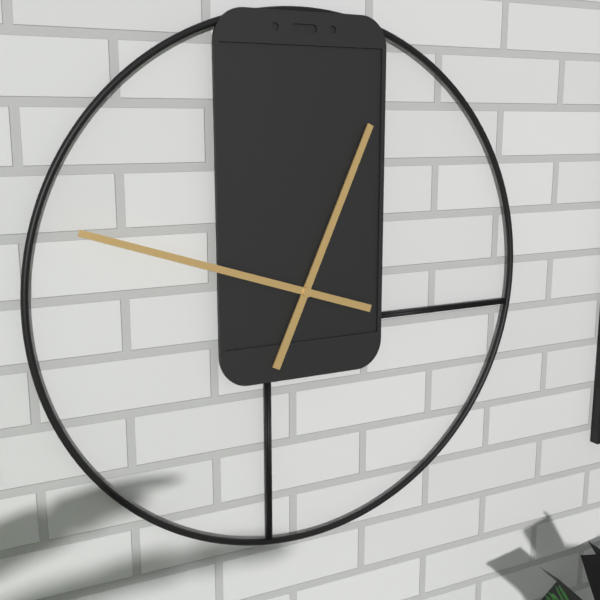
12 h 48 min
